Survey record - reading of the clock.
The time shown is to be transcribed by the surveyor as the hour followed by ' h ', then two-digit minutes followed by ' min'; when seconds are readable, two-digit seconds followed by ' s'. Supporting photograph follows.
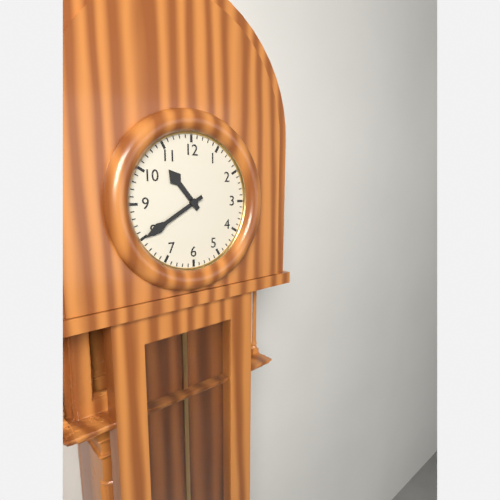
10 h 40 min
